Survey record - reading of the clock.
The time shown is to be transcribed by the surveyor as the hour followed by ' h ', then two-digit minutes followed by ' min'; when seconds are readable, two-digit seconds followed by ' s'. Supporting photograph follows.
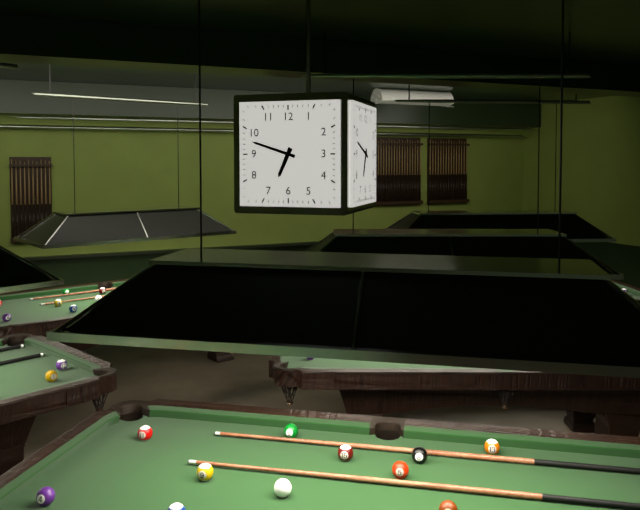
6 h 48 min
